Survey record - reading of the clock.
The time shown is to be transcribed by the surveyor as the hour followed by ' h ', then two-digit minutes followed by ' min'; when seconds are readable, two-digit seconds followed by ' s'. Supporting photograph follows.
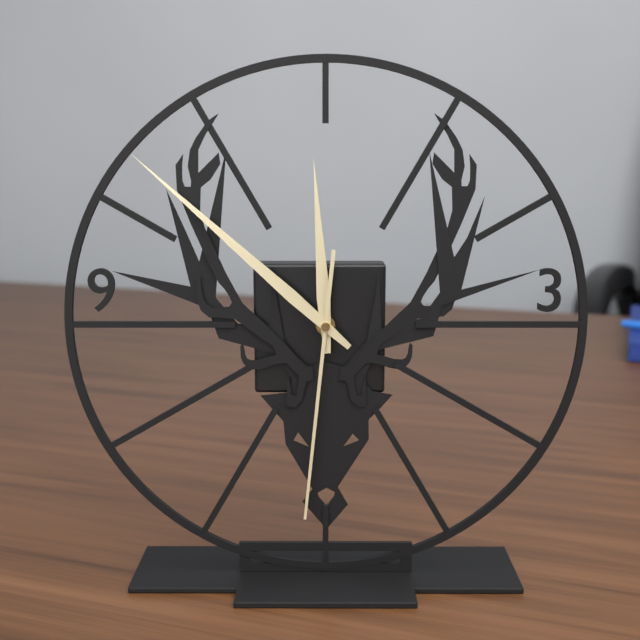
11 h 52 min 31 s
